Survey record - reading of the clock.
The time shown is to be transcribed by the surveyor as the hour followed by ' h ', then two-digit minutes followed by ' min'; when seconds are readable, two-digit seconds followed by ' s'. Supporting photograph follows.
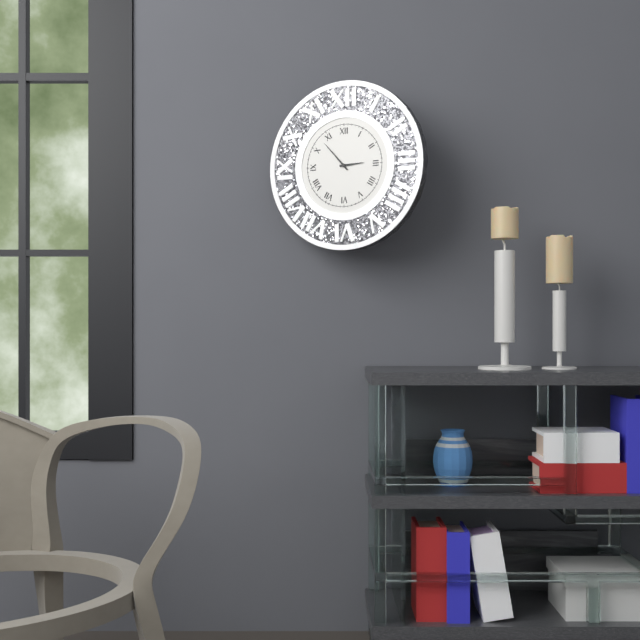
2 h 53 min
